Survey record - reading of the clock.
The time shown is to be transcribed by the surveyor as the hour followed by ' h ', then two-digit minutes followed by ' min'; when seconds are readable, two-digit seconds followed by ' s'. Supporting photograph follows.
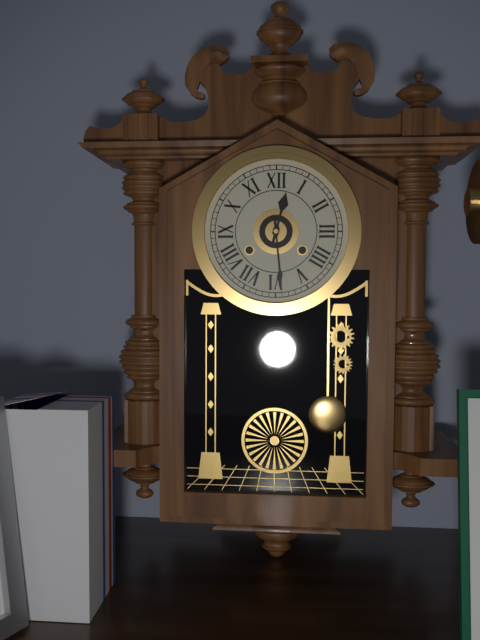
12 h 29 min
